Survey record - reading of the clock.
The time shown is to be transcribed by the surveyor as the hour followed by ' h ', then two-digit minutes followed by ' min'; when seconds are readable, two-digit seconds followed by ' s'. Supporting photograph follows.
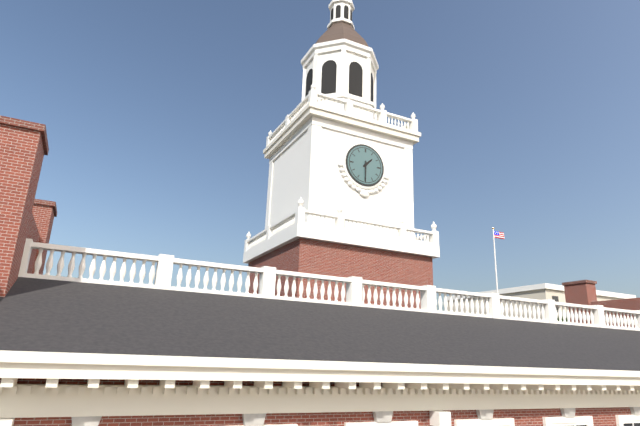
1 h 30 min
